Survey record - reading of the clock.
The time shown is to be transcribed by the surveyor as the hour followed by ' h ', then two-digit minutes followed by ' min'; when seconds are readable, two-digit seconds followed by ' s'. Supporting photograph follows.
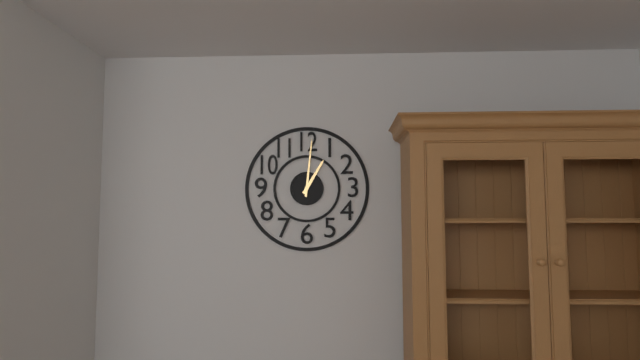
1 h 01 min
